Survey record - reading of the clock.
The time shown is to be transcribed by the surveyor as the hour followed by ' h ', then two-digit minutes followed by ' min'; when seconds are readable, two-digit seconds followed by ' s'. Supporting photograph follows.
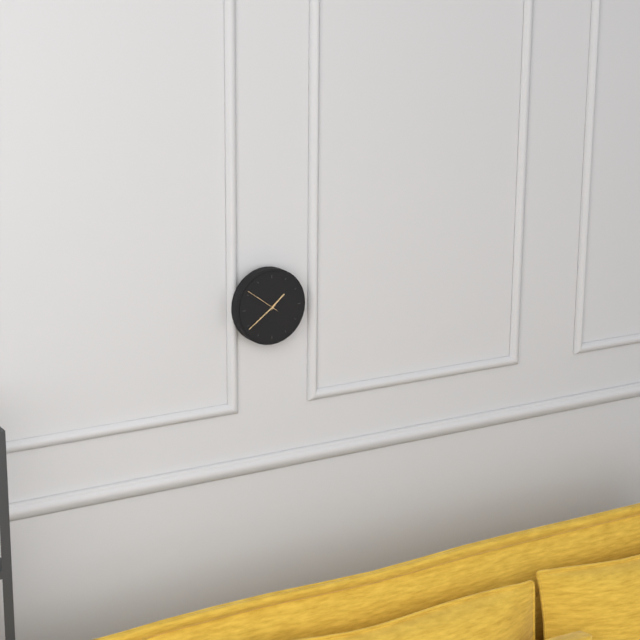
1 h 39 min
